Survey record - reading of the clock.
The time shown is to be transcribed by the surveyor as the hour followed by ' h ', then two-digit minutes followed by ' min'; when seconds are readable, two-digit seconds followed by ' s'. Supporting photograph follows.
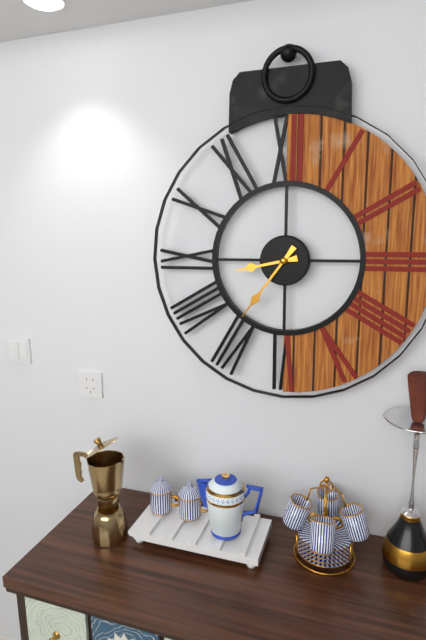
8 h 36 min
